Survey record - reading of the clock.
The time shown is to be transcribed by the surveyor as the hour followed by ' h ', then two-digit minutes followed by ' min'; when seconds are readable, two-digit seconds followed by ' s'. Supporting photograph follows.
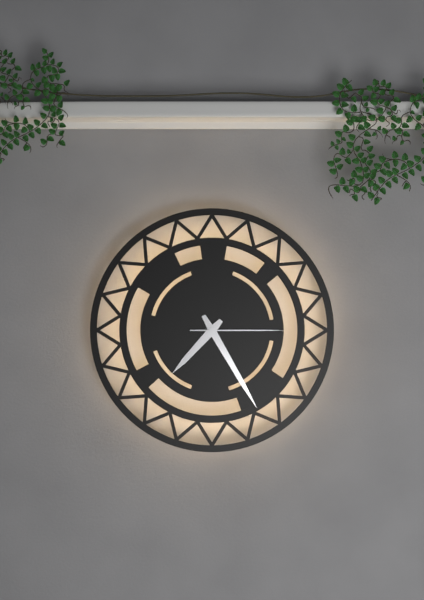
7 h 25 min 15 s
